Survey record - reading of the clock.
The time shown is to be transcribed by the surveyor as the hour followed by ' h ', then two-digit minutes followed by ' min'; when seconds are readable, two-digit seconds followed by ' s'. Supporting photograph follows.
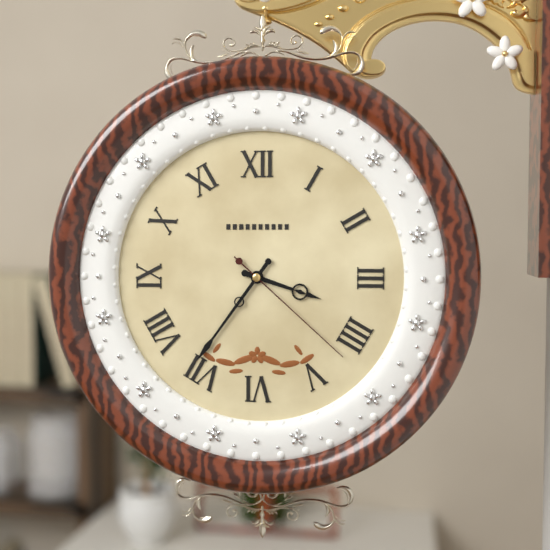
3 h 36 min 22 s
